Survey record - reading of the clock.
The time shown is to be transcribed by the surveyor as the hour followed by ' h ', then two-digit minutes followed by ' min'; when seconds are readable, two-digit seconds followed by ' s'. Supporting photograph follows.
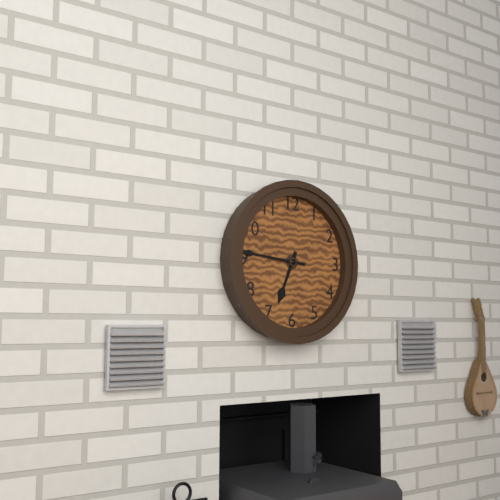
6 h 46 min
